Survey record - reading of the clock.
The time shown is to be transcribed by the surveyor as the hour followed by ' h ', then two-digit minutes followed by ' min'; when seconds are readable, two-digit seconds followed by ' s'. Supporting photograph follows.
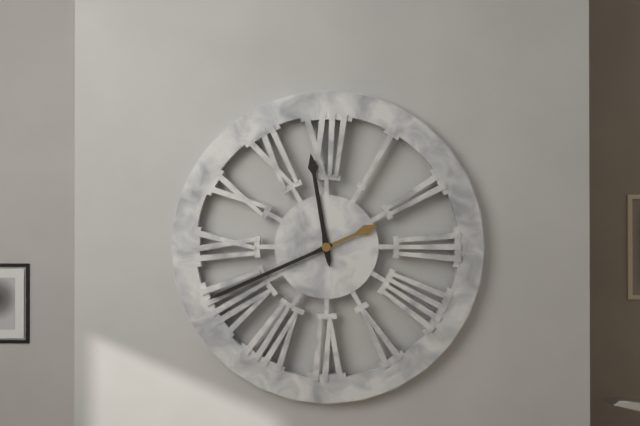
11 h 41 min
